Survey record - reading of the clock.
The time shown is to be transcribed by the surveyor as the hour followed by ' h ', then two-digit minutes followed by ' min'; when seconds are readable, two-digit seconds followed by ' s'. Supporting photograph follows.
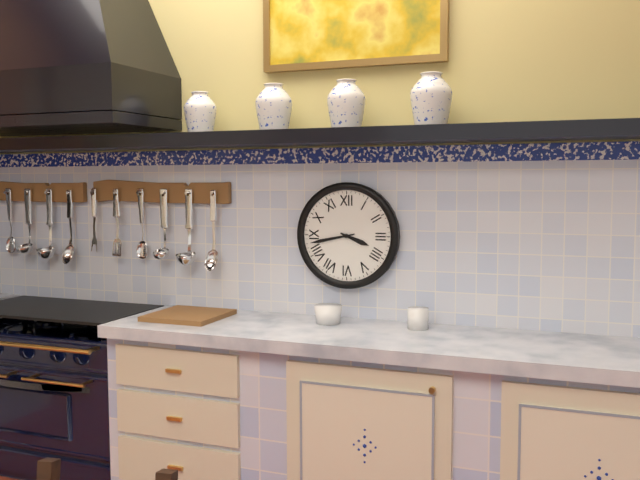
3 h 43 min
